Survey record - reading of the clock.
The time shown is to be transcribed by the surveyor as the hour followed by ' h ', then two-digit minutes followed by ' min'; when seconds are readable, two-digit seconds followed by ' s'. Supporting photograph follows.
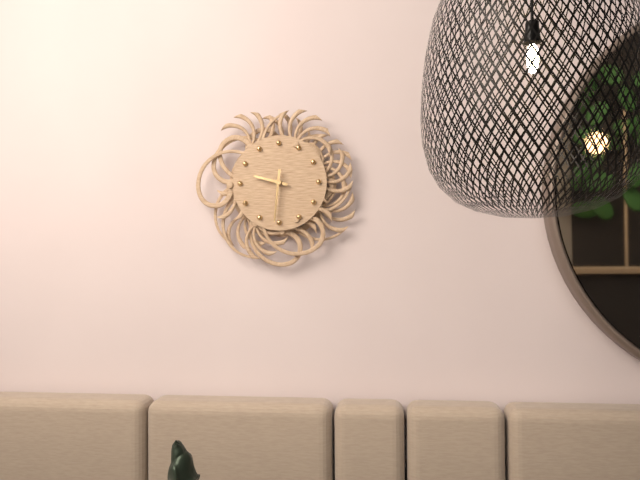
9 h 31 min
